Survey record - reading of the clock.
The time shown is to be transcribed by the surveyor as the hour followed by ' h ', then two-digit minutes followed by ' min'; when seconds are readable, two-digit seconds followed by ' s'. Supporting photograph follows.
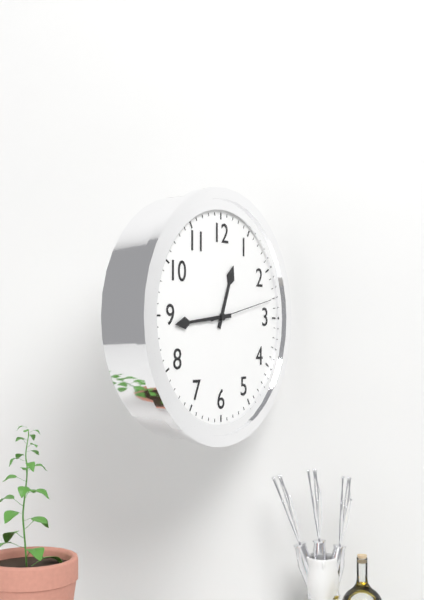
12 h 44 min 13 s
